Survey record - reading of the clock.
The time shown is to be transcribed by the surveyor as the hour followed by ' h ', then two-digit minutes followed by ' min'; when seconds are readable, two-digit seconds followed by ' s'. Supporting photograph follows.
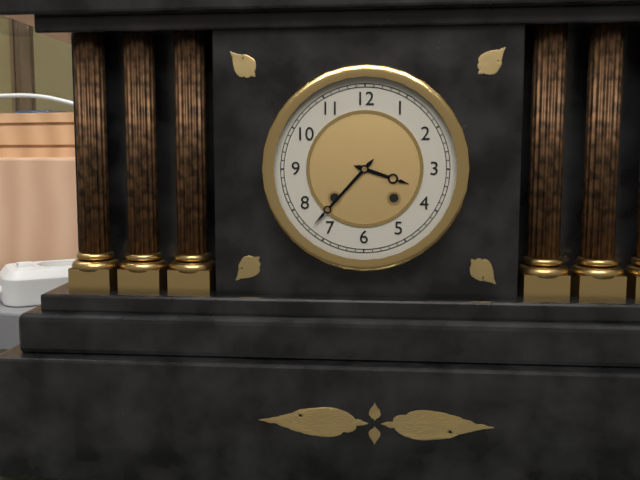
3 h 37 min
